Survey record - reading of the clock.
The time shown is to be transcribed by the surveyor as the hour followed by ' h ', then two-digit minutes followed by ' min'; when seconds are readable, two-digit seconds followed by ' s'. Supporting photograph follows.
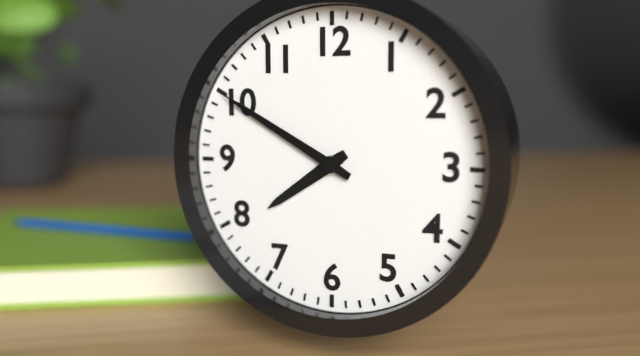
7 h 50 min
